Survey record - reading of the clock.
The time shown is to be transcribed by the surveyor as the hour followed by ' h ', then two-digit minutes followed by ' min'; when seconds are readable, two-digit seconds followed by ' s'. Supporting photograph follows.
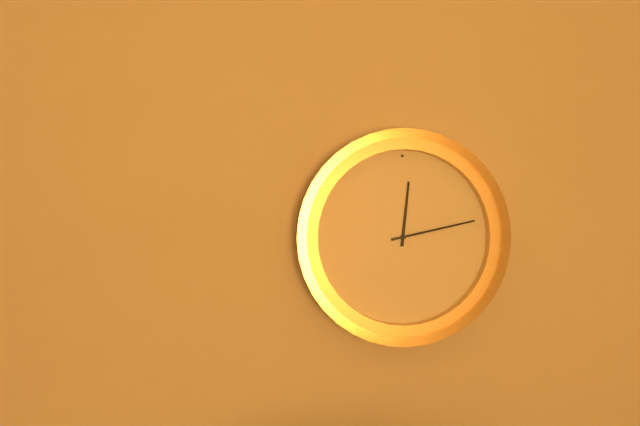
12 h 13 min
